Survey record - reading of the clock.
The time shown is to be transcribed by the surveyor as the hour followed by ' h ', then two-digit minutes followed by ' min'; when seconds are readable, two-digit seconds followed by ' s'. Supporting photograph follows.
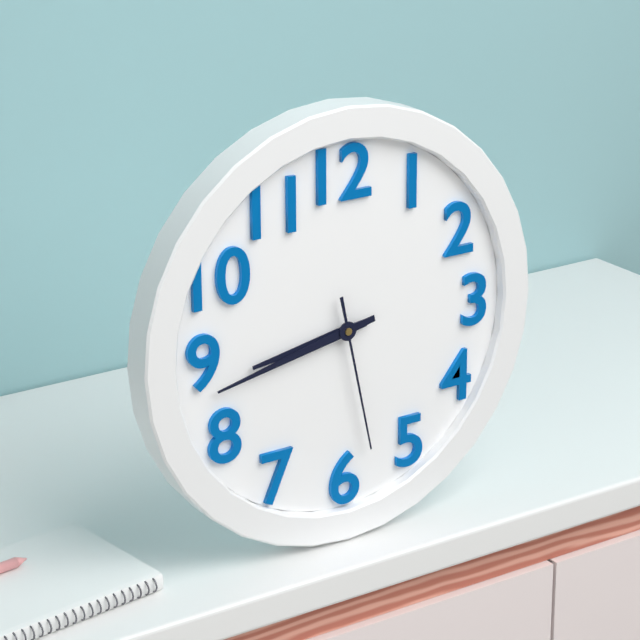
8 h 43 min 28 s
